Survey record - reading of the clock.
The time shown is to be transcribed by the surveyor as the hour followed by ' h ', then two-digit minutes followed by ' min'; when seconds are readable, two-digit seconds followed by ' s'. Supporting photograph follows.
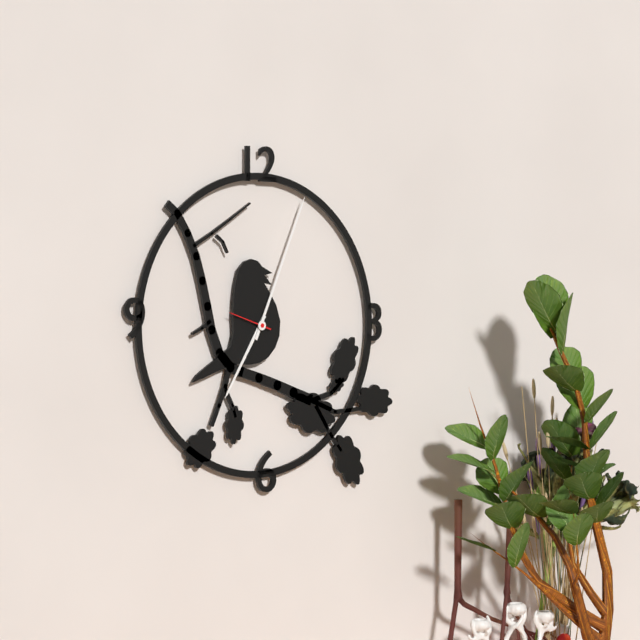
7 h 04 min
